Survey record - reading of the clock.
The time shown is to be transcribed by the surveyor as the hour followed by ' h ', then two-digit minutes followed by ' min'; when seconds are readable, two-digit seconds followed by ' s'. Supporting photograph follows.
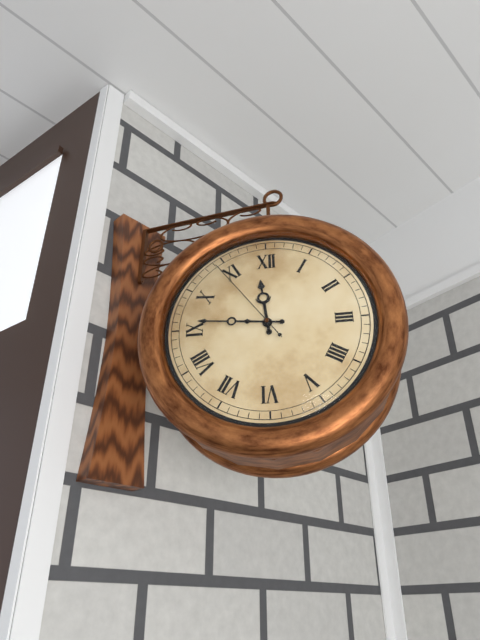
11 h 46 min 54 s
